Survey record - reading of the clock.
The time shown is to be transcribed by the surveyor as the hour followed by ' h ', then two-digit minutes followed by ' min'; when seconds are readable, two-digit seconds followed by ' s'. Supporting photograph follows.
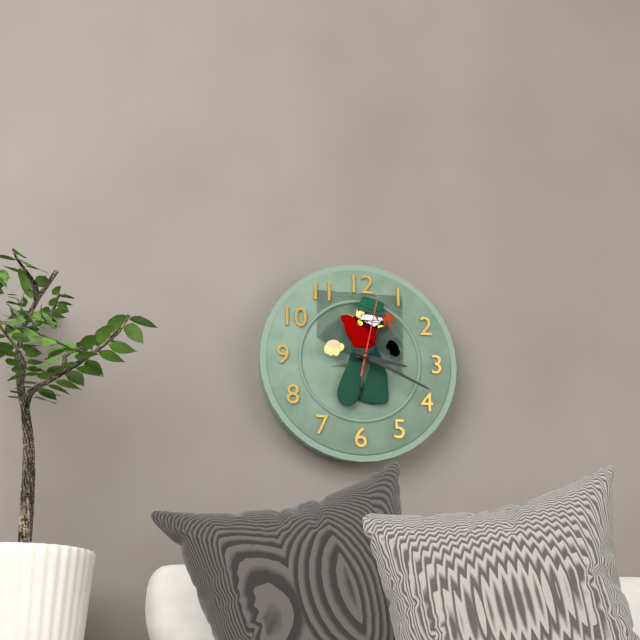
3 h 19 min 02 s
